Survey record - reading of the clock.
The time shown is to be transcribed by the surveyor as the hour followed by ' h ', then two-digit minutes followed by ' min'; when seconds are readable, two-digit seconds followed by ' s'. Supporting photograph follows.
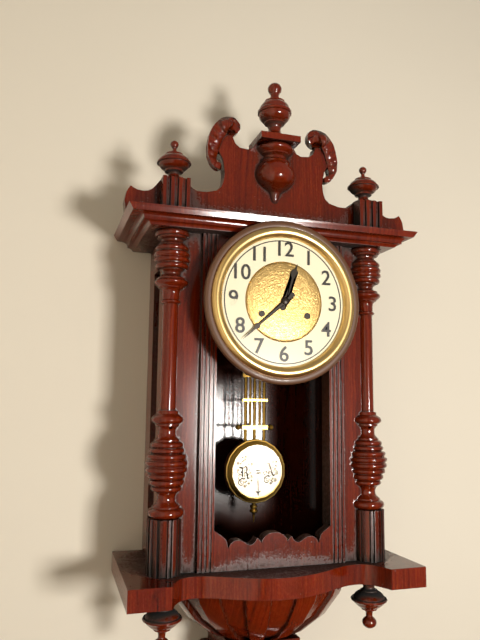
12 h 38 min
